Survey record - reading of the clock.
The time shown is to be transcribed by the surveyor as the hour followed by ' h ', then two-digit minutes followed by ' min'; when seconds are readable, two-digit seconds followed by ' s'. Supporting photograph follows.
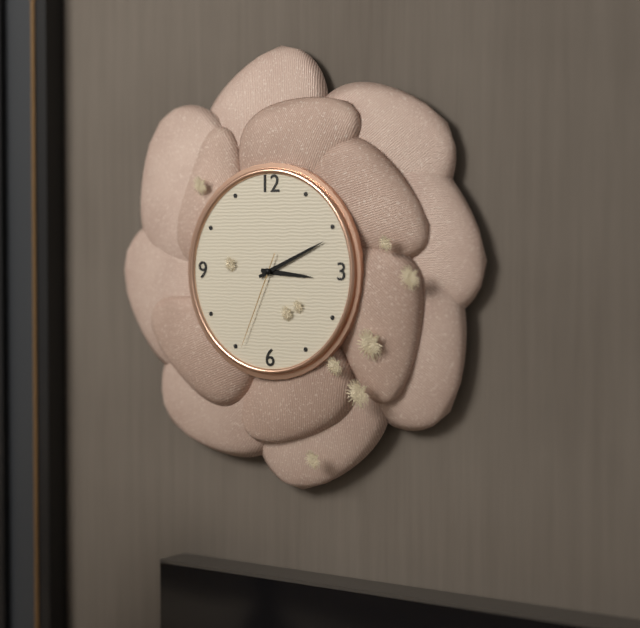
3 h 11 min 34 s
